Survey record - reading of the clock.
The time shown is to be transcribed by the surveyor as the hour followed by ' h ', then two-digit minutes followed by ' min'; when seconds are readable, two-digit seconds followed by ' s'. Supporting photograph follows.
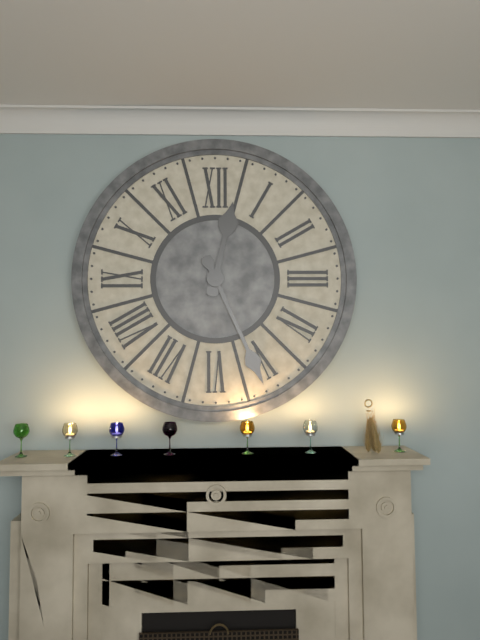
12 h 26 min
